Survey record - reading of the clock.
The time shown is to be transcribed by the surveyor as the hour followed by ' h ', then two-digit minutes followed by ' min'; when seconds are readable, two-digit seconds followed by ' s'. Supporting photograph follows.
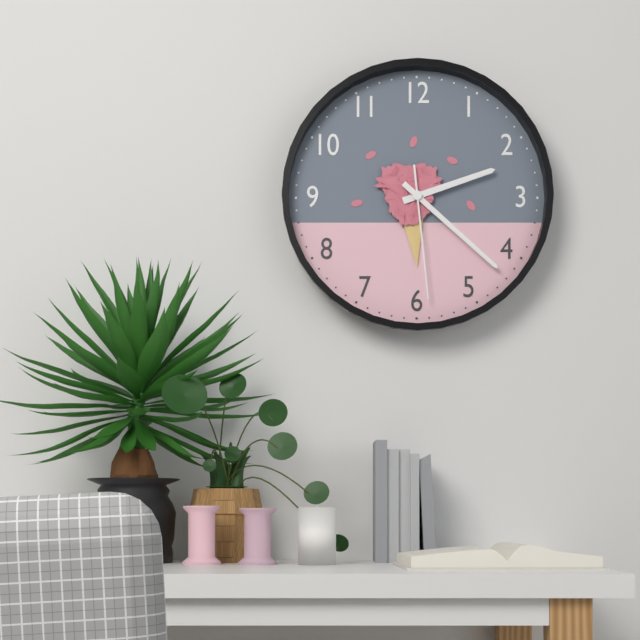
2 h 22 min 29 s
